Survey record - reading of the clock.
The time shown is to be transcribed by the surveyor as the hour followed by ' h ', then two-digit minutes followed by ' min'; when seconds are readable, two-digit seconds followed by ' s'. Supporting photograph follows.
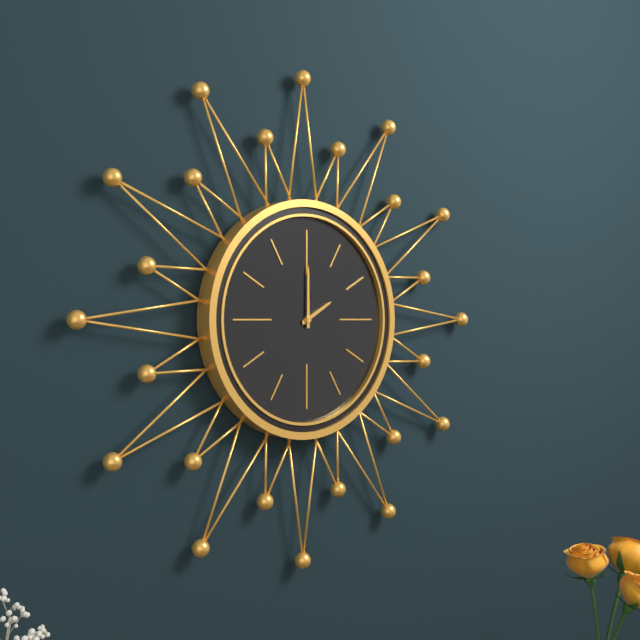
2 h 00 min
